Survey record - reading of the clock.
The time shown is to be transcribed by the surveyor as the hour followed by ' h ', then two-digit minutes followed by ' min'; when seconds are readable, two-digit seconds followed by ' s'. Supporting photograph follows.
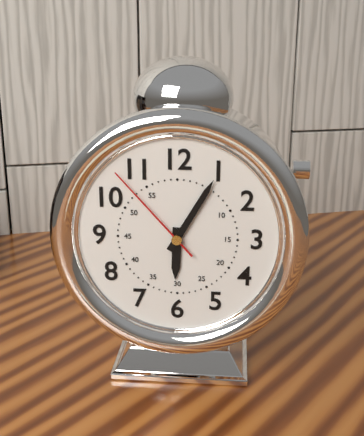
6 h 05 min 53 s
